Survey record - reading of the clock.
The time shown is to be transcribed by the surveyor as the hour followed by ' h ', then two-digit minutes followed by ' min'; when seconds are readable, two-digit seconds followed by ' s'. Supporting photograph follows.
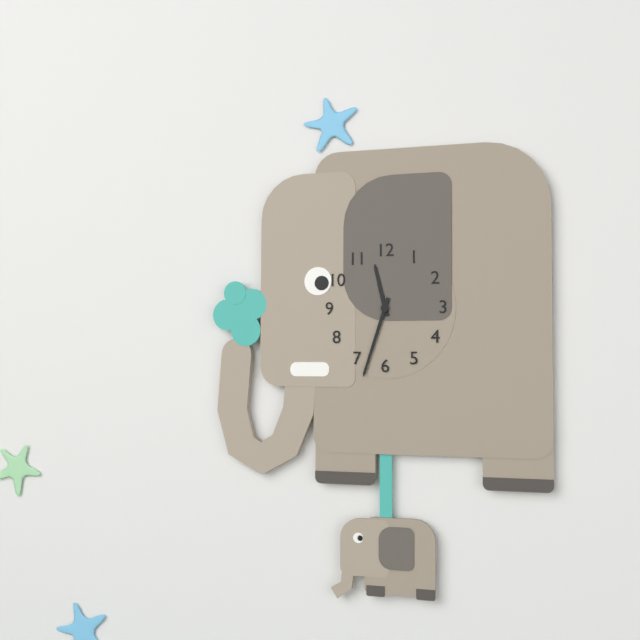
11 h 33 min
